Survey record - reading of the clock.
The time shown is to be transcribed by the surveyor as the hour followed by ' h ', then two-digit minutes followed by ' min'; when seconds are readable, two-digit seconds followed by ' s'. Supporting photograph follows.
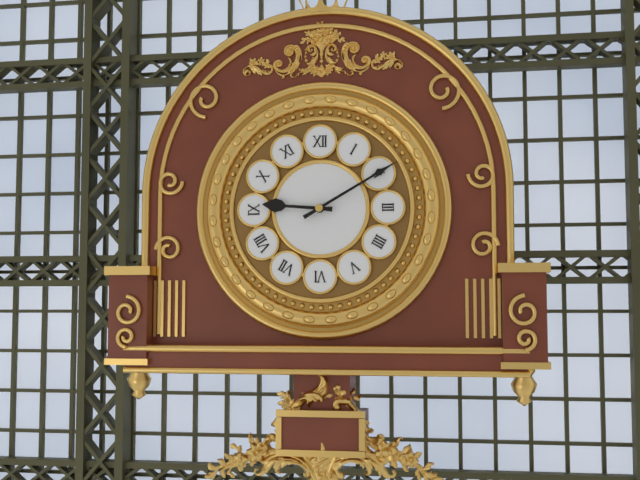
9 h 10 min
